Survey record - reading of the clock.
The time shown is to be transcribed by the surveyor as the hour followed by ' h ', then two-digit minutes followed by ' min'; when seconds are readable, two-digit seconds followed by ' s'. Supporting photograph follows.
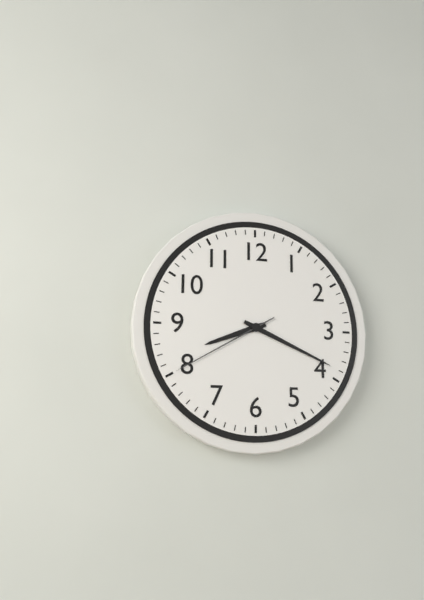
8 h 19 min 40 s
